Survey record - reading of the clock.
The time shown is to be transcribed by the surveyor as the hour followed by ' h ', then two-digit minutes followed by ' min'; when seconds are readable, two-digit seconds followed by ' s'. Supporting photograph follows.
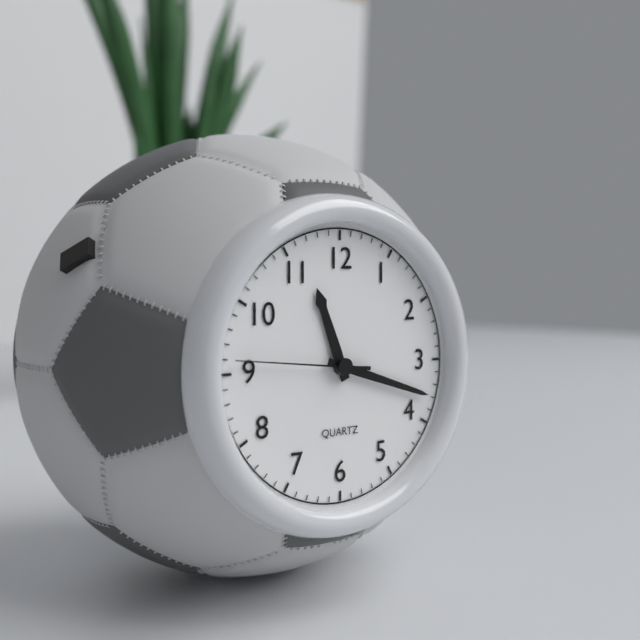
11 h 18 min 46 s
